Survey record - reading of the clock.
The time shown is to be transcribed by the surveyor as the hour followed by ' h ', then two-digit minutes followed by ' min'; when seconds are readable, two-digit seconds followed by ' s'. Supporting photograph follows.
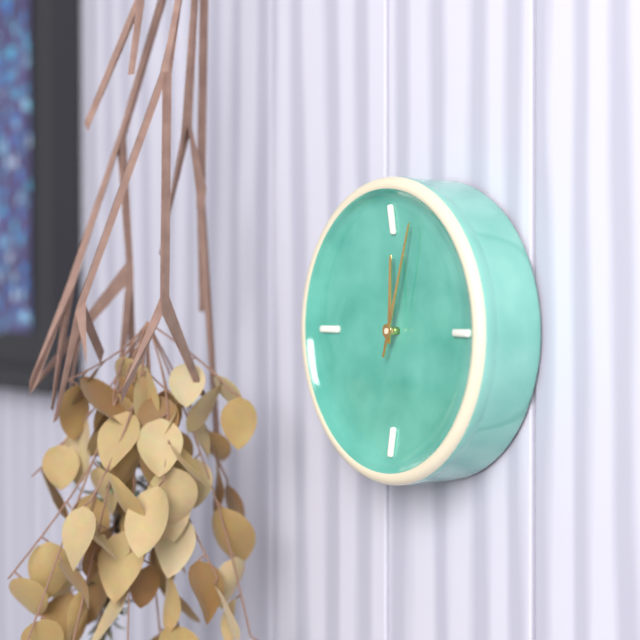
12 h 03 min
